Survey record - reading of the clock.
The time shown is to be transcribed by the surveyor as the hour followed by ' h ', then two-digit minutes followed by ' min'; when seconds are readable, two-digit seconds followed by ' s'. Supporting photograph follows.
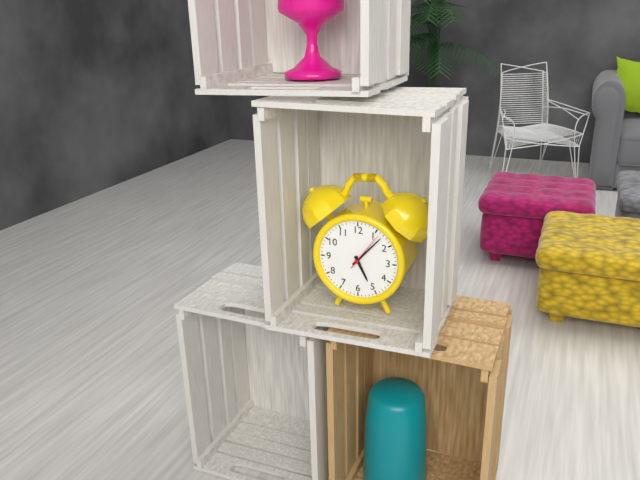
5 h 07 min
